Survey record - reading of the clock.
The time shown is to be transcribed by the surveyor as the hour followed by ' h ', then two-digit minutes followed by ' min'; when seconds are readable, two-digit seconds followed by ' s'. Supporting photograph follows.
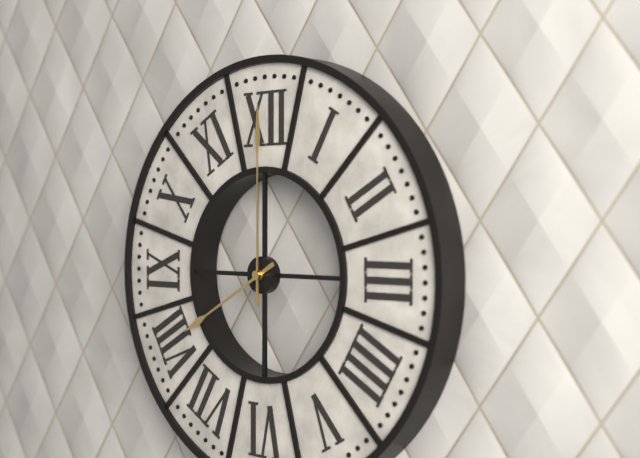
8 h 00 min
